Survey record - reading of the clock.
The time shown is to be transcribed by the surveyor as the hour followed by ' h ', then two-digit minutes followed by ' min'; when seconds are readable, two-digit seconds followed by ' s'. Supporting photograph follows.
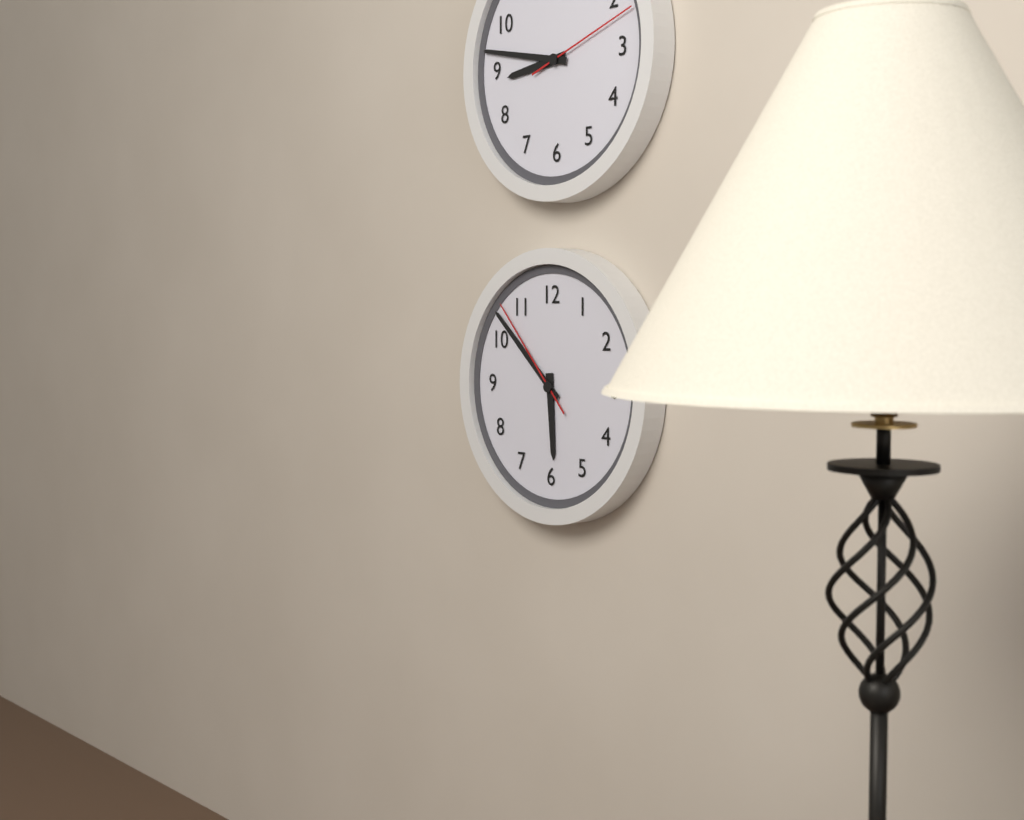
5 h 52 min 53 s
